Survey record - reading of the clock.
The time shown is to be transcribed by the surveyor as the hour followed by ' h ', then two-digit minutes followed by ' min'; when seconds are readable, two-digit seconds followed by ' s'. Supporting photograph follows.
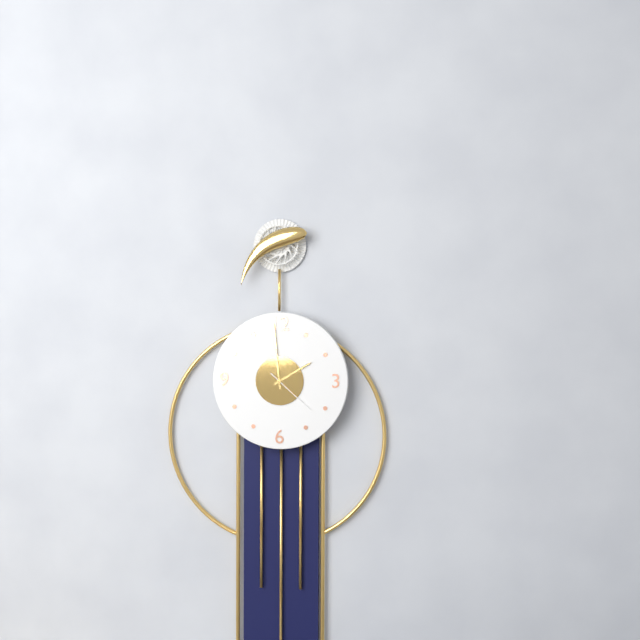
1 h 59 min 22 s
